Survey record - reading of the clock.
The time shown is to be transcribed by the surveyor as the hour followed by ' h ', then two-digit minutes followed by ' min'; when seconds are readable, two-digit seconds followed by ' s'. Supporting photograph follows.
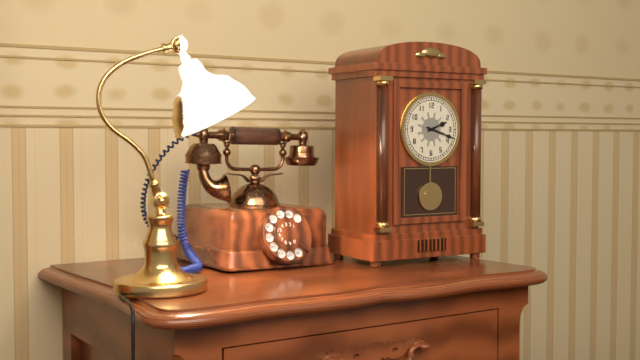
2 h 18 min
